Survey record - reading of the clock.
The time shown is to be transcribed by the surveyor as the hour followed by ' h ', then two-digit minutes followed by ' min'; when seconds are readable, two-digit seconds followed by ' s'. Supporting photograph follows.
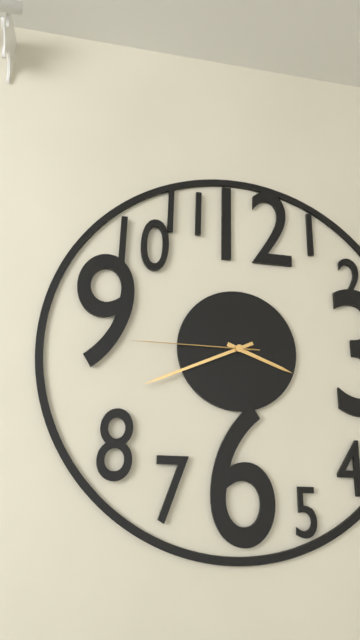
3 h 41 min 45 s
